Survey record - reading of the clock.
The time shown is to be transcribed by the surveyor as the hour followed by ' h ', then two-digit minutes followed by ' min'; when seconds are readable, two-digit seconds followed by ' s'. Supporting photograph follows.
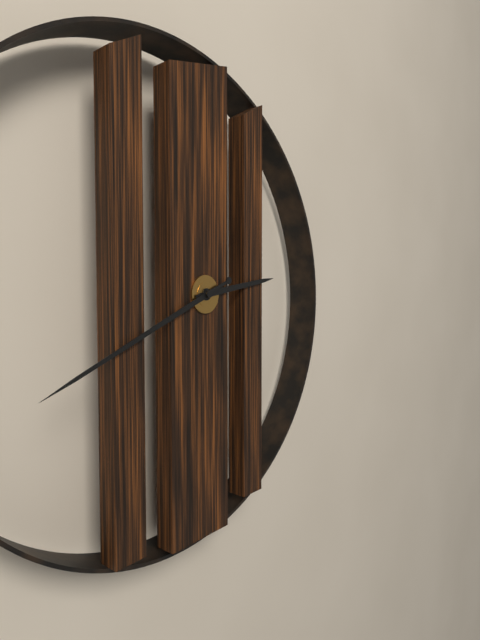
2 h 41 min
